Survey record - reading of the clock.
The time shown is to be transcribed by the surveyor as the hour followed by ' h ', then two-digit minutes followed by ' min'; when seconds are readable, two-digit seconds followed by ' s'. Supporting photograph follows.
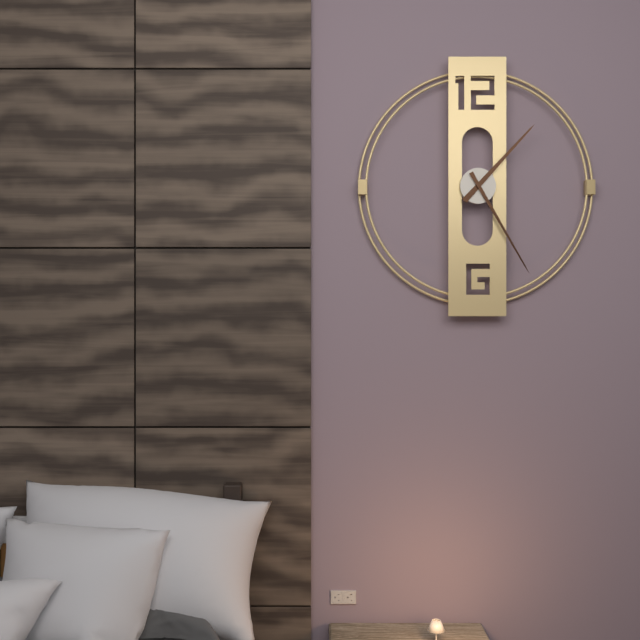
1 h 25 min
